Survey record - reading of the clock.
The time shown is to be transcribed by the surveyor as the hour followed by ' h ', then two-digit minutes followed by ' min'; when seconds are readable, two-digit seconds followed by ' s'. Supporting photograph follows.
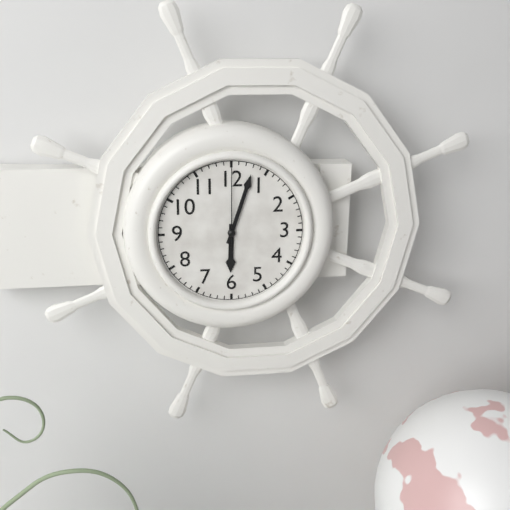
6 h 03 min 00 s
